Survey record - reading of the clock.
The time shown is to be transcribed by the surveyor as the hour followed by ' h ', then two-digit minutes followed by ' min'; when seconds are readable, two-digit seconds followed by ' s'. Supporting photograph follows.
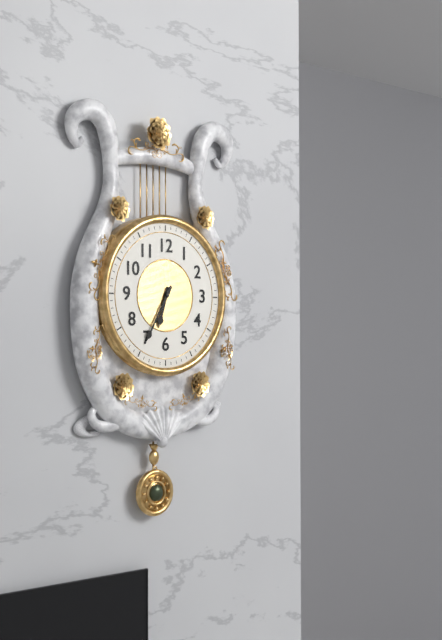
6 h 35 min
